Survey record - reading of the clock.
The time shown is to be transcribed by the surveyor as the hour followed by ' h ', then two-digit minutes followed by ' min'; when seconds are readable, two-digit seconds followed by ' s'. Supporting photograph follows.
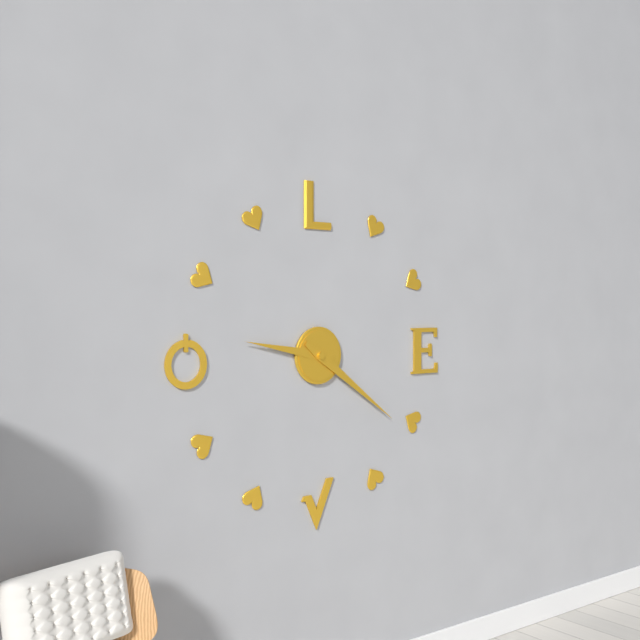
9 h 21 min
